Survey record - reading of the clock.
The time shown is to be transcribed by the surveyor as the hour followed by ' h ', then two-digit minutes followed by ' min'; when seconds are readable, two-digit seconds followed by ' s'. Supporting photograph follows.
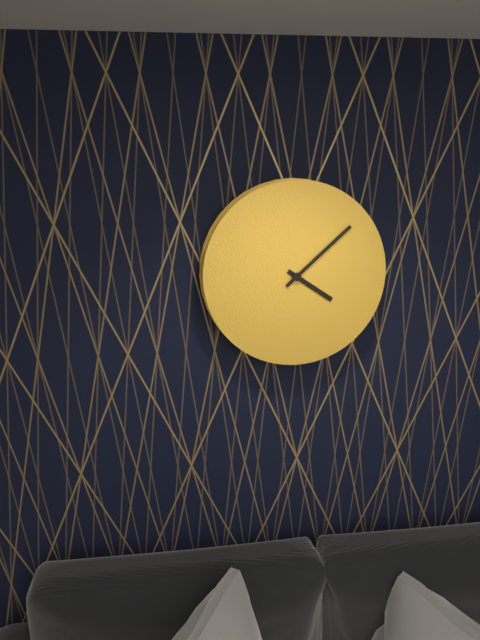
4 h 08 min
